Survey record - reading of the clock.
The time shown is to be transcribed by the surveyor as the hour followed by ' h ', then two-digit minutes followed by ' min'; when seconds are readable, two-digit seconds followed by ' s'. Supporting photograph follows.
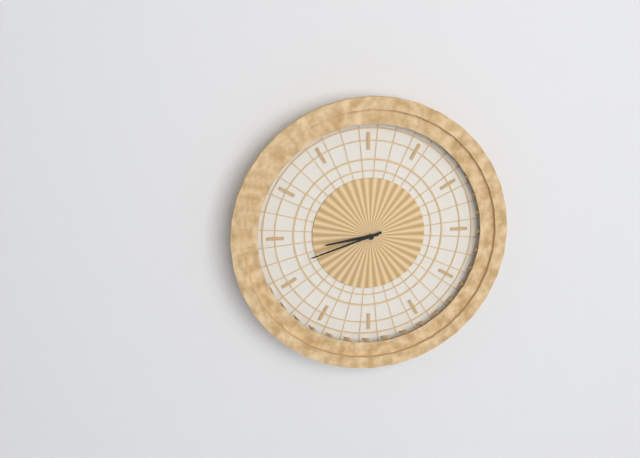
8 h 42 min
